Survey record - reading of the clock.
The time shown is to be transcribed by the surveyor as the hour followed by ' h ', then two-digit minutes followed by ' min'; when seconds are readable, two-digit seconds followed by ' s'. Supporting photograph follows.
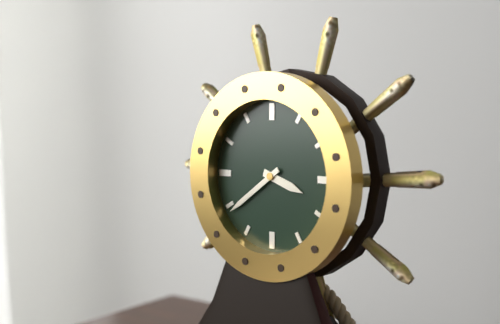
3 h 39 min
